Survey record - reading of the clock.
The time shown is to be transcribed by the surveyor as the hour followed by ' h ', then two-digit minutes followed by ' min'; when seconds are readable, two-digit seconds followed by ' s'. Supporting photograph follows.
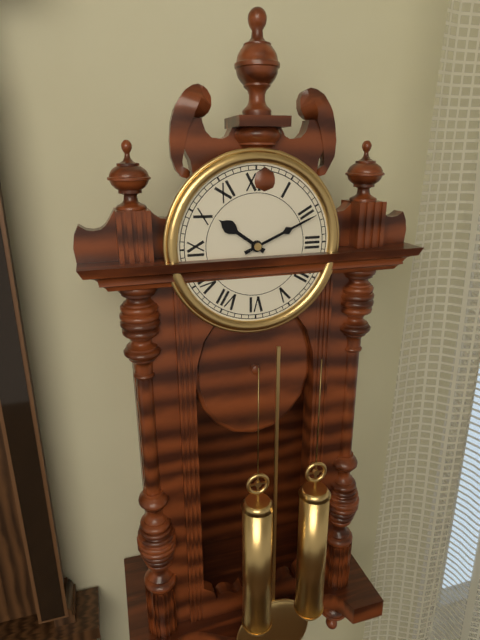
10 h 11 min
